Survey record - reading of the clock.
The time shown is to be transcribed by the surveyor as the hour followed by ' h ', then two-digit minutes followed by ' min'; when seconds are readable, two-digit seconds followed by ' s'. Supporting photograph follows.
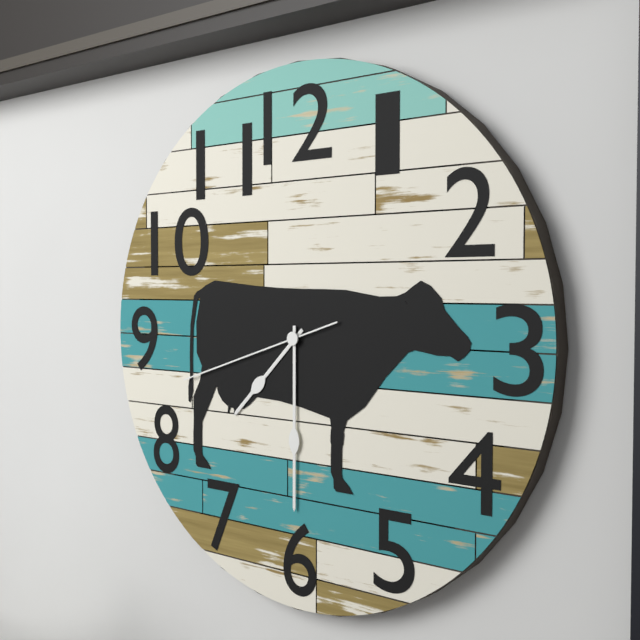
7 h 30 min 42 s
